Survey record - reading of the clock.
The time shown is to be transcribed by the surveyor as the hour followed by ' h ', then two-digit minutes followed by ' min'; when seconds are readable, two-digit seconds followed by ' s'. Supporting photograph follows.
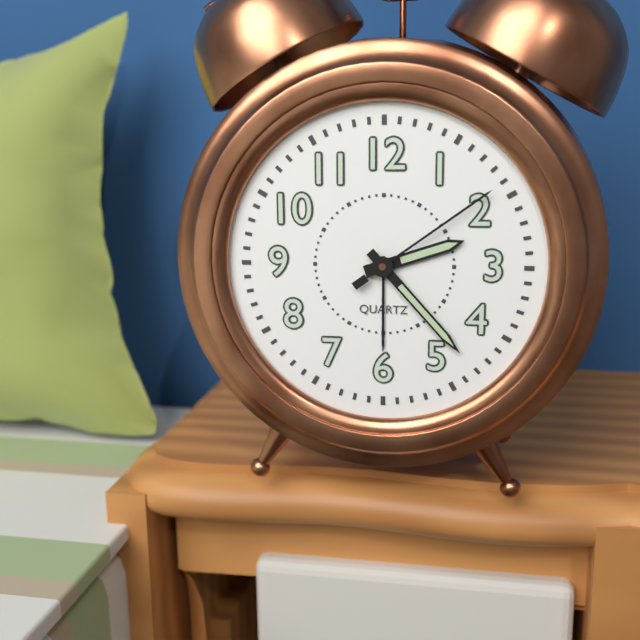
2 h 23 min 09 s
